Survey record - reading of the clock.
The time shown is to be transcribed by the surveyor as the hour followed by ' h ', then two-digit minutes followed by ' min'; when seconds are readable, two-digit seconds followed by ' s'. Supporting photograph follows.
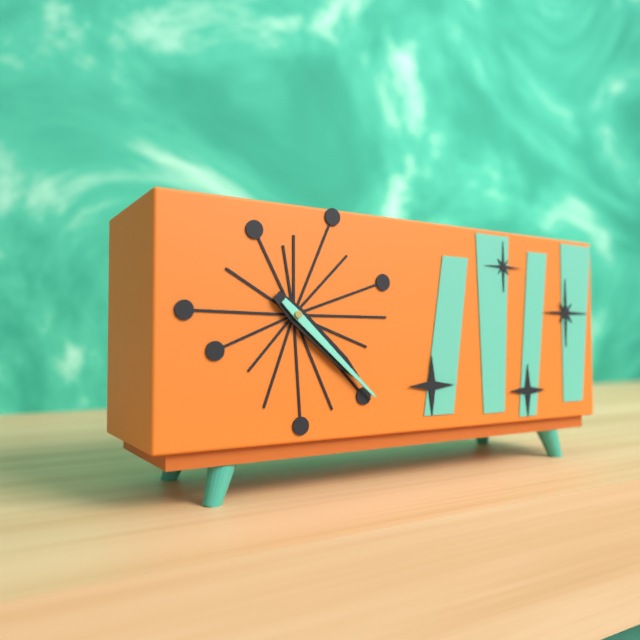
4 h 22 min
